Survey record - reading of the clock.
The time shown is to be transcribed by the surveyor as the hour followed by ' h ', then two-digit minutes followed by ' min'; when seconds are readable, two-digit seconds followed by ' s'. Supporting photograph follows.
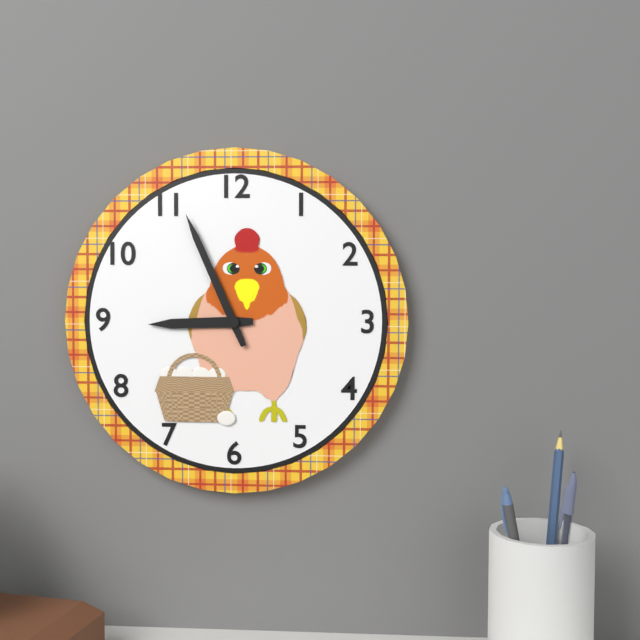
8 h 56 min
